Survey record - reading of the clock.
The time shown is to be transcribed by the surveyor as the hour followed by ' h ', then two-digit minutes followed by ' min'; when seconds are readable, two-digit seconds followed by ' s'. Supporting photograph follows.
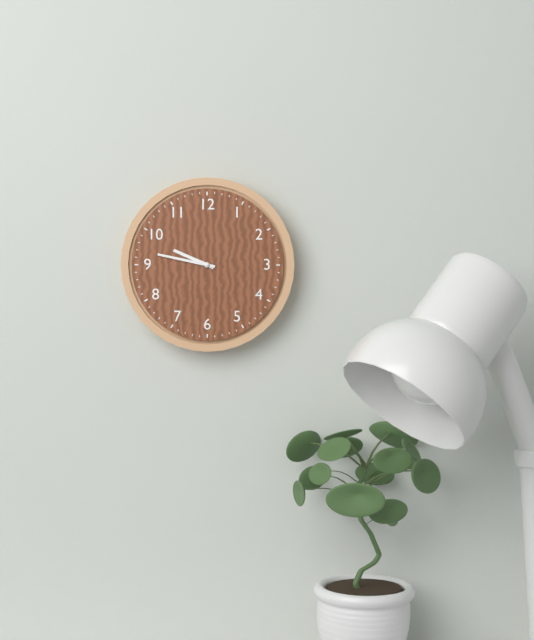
9 h 47 min
